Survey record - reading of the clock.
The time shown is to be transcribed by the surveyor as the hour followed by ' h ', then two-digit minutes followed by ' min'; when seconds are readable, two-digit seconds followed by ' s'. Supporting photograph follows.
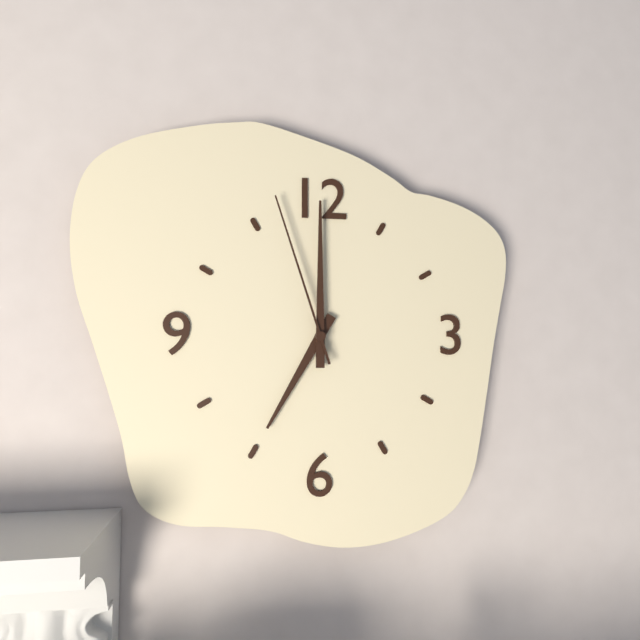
7 h 00 min 57 s
